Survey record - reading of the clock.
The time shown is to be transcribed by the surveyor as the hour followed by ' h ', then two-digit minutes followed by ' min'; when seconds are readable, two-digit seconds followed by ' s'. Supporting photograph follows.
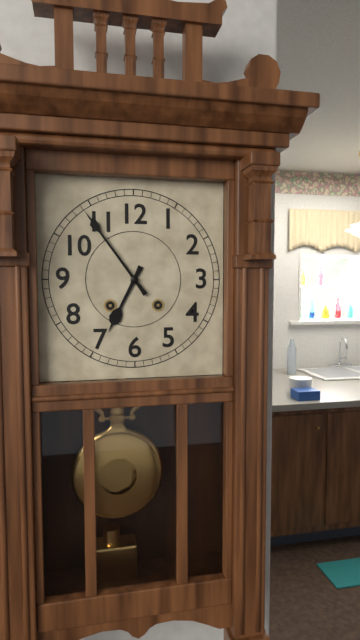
6 h 54 min
